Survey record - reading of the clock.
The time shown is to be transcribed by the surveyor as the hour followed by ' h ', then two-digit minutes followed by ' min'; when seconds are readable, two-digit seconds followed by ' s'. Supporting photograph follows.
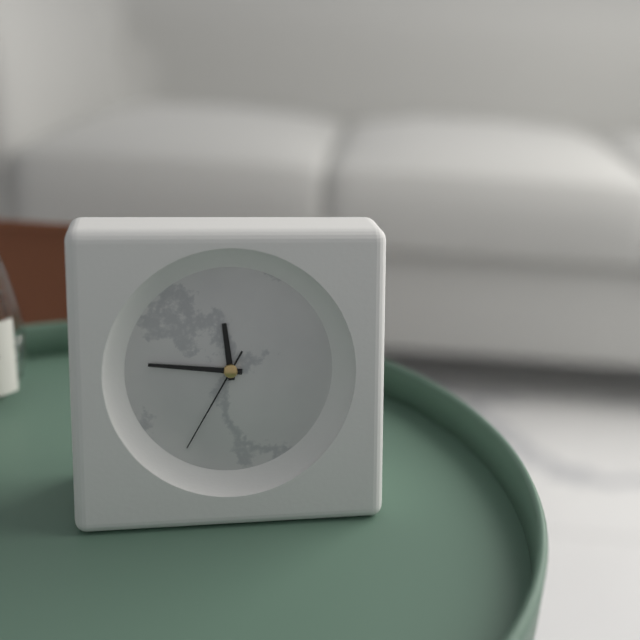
11 h 46 min 35 s
